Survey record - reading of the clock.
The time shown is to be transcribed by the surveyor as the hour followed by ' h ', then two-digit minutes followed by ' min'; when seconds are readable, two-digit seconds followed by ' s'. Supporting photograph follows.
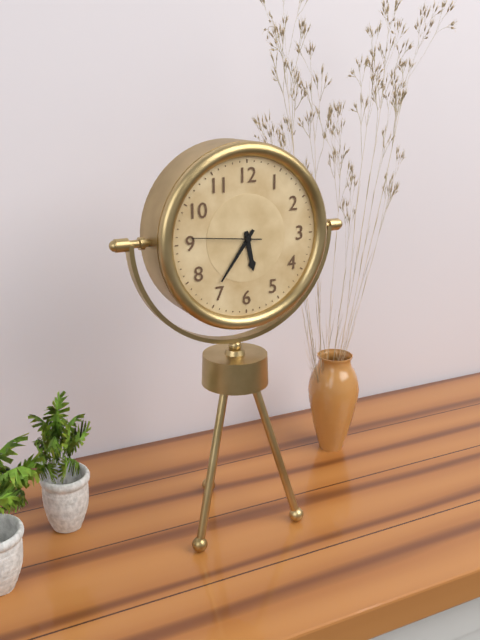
5 h 36 min 46 s
